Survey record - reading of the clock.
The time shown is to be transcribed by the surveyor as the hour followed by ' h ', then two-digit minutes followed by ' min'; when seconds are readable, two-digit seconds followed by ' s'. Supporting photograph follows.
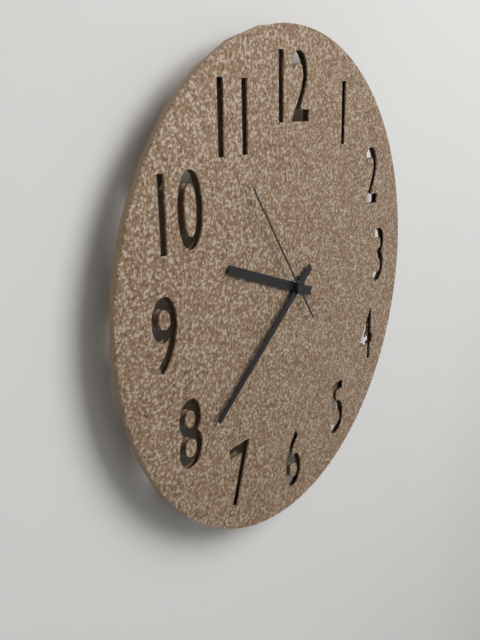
9 h 39 min 54 s
